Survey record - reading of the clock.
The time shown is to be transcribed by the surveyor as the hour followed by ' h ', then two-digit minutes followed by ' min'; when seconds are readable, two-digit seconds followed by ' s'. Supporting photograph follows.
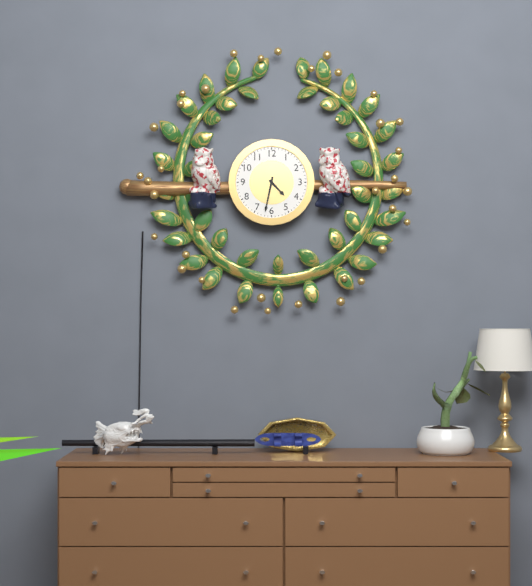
4 h 32 min
